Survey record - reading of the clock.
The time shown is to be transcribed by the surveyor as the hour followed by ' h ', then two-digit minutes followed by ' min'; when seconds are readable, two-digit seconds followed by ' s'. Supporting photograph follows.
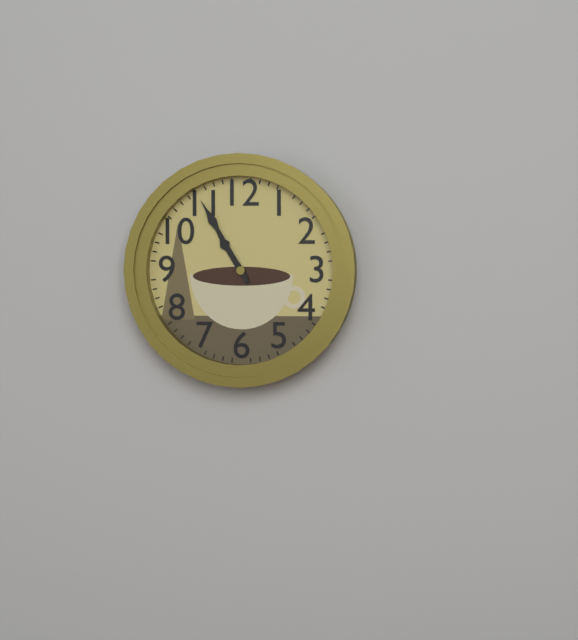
10 h 55 min
